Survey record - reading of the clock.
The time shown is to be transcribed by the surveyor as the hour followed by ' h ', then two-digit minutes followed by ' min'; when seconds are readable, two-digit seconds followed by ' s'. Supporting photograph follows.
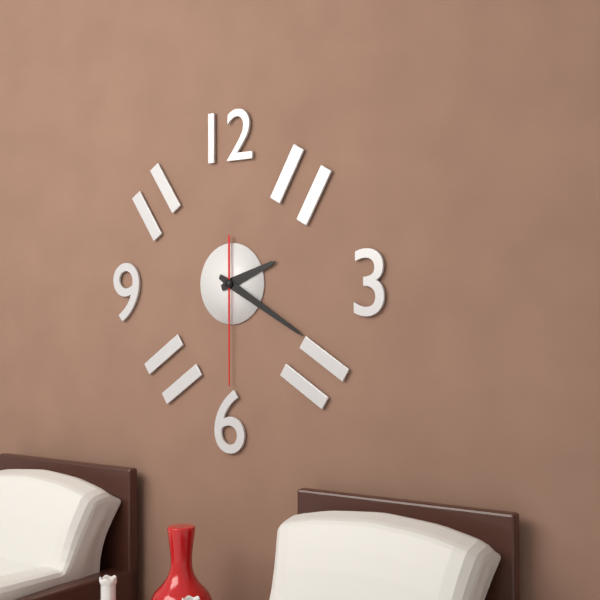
2 h 20 min 30 s
